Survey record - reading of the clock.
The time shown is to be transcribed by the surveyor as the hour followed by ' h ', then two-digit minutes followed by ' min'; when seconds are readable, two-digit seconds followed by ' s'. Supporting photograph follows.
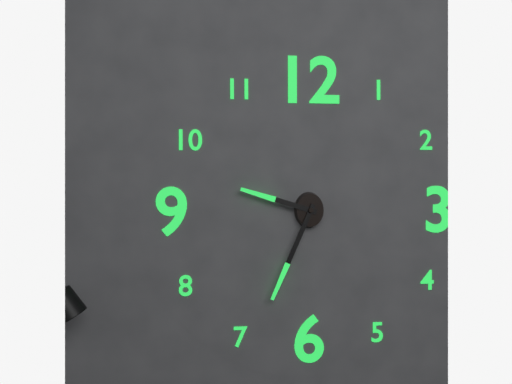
9 h 34 min
